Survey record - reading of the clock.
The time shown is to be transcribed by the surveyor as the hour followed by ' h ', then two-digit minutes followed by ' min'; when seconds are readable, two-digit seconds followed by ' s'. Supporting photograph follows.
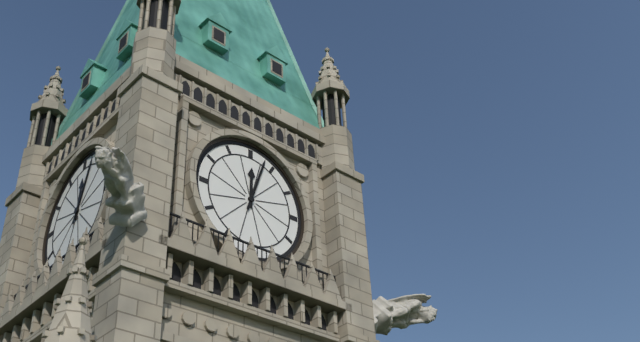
12 h 03 min
